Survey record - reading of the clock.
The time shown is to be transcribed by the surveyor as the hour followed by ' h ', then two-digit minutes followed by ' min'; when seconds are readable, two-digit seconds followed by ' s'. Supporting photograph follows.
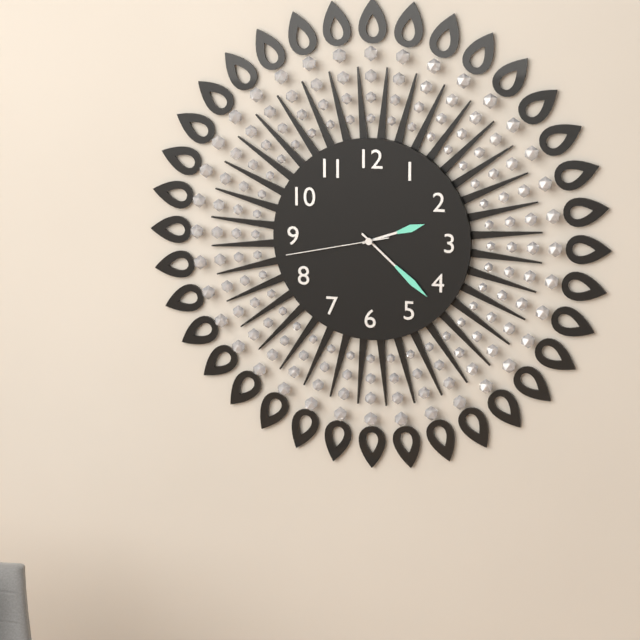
2 h 22 min 43 s
